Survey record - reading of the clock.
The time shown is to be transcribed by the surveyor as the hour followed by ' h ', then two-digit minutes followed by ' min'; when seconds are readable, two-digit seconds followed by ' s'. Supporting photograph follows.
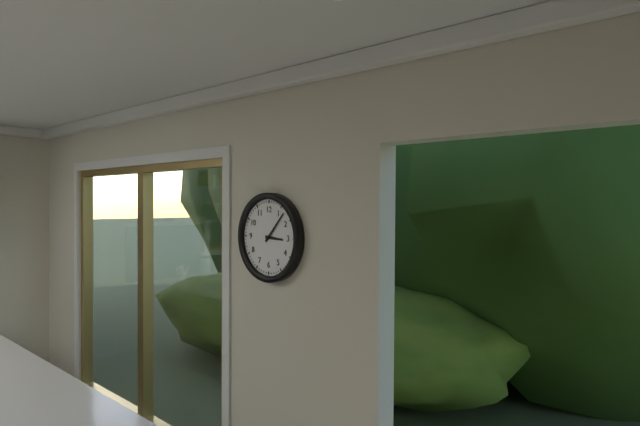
3 h 07 min
